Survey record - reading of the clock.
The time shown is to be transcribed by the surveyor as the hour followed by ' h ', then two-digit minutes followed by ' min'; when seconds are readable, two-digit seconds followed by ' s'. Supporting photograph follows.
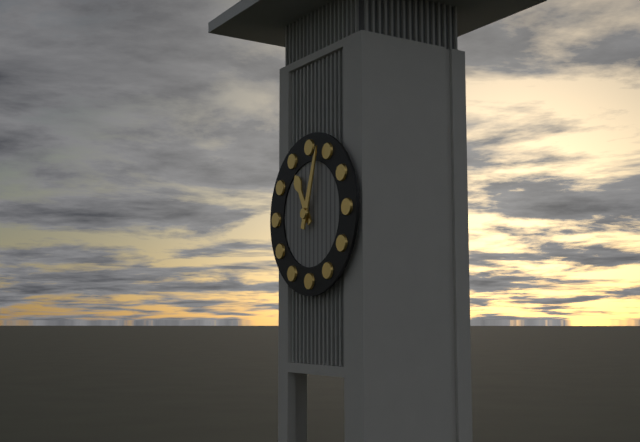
11 h 03 min
